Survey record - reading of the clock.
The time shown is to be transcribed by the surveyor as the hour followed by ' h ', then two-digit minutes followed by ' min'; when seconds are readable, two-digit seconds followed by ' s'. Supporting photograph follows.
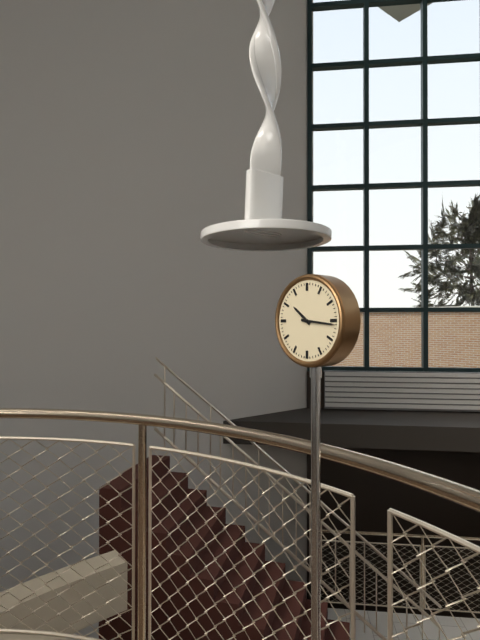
10 h 16 min
